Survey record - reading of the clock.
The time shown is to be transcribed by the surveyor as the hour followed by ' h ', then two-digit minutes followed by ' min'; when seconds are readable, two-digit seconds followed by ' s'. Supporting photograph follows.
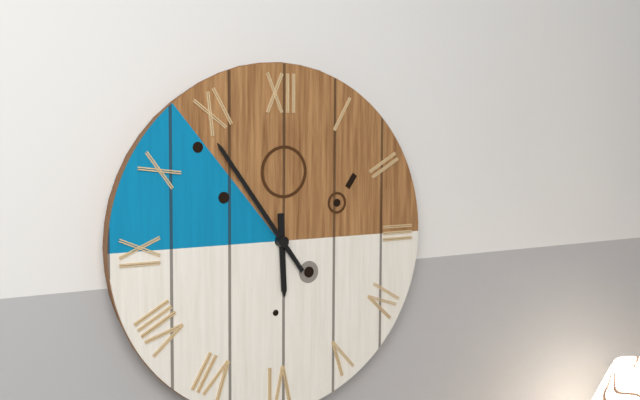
5 h 54 min
